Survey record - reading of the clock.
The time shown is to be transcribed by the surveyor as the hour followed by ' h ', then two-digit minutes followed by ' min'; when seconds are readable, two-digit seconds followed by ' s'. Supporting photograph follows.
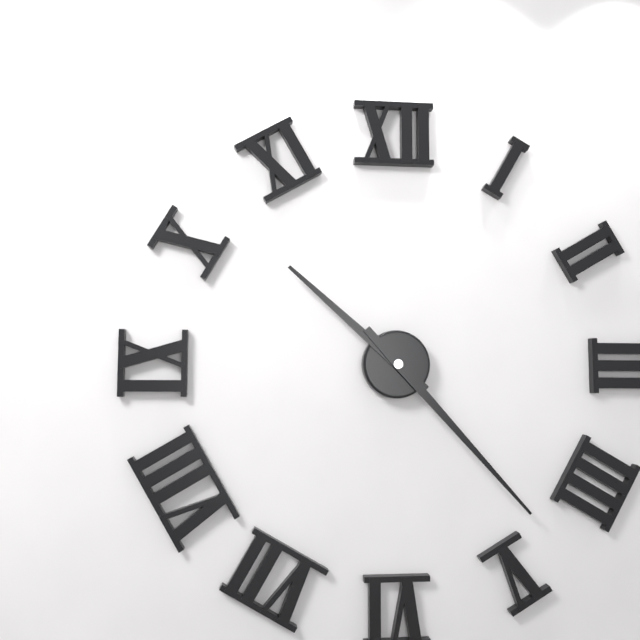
10 h 23 min
